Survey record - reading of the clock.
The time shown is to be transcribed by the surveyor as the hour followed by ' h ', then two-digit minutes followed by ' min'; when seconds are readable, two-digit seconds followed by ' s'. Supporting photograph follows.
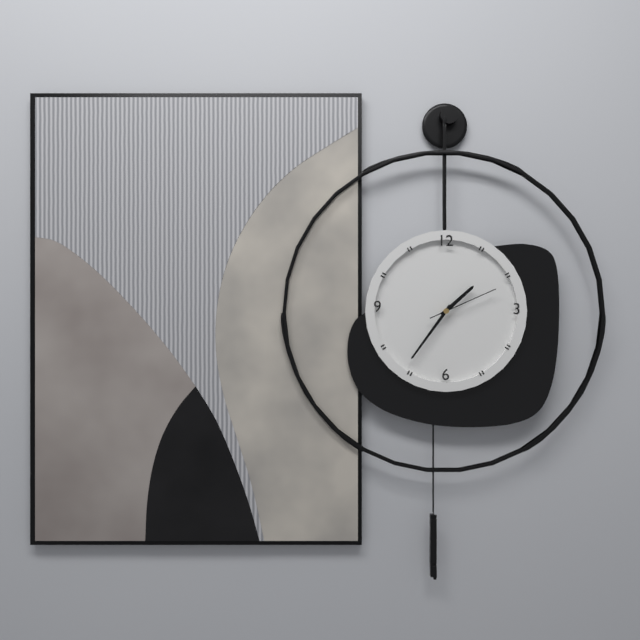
1 h 36 min 11 s
